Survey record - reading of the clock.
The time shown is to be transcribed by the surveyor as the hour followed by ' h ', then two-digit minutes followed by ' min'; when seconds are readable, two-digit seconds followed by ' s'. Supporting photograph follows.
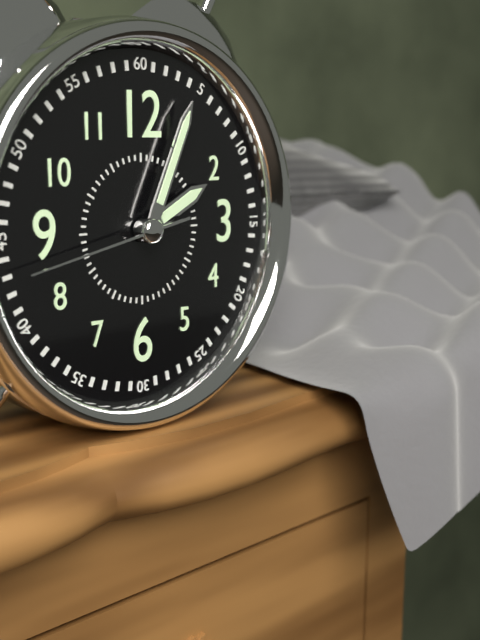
2 h 04 min 43 s
